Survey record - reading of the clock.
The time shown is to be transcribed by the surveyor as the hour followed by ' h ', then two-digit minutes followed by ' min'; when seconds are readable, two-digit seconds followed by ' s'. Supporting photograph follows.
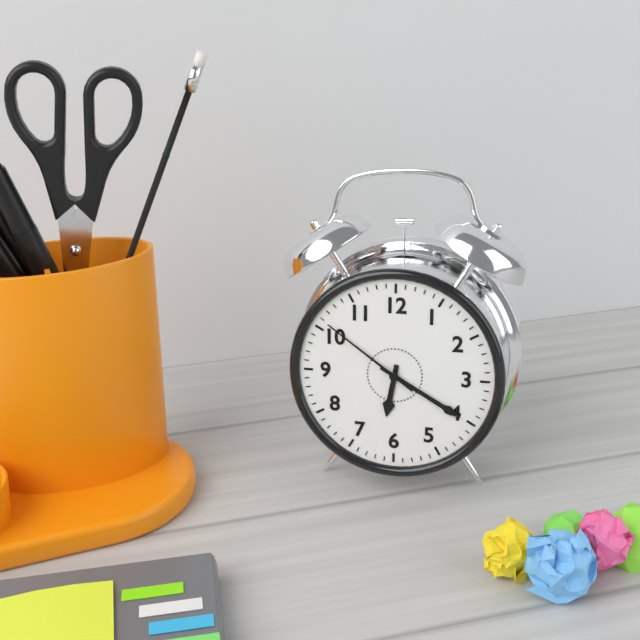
6 h 20 min 51 s
